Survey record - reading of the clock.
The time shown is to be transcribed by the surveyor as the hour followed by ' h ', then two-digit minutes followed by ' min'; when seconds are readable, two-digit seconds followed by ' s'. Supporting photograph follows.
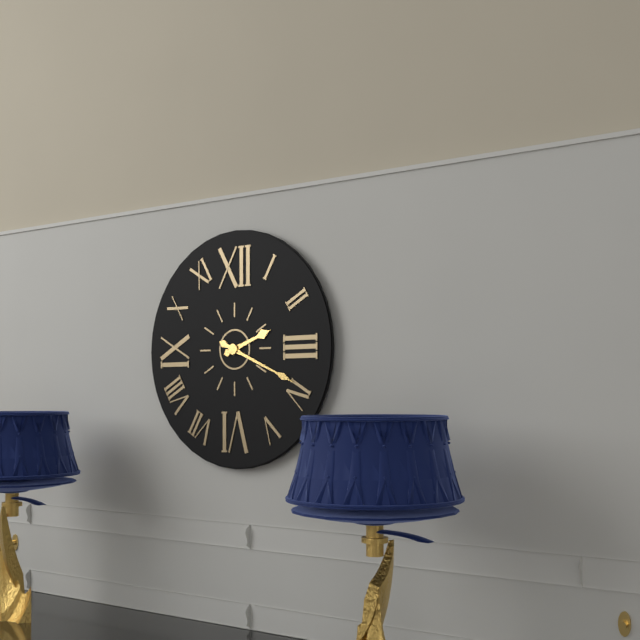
2 h 19 min
